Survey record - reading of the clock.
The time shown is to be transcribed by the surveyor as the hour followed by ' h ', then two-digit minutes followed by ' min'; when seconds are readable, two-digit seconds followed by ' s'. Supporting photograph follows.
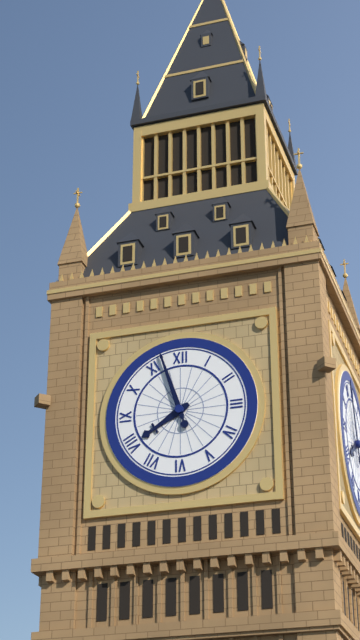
7 h 57 min
